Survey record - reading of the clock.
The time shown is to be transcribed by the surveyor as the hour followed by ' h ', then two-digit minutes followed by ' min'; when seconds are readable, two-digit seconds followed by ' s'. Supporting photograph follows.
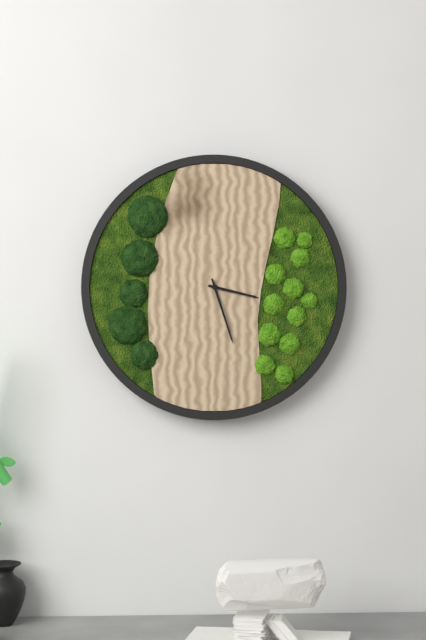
3 h 27 min
